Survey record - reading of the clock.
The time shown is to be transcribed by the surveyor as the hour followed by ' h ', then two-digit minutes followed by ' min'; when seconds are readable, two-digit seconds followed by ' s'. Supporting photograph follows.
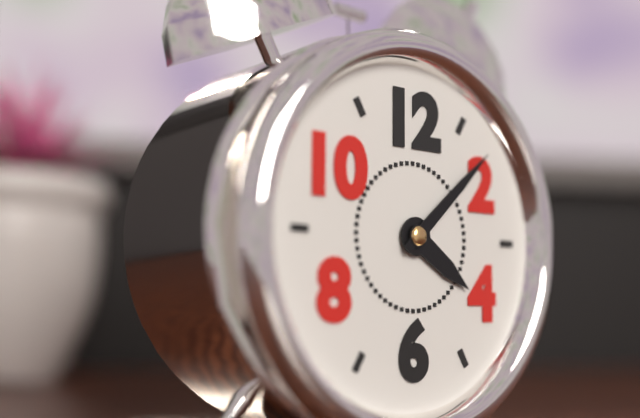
4 h 08 min
